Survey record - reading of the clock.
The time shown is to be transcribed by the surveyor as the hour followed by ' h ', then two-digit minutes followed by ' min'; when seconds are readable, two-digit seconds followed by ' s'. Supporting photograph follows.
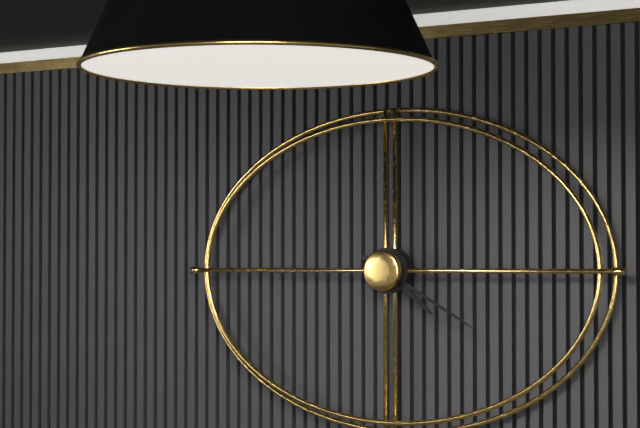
4 h 20 min
